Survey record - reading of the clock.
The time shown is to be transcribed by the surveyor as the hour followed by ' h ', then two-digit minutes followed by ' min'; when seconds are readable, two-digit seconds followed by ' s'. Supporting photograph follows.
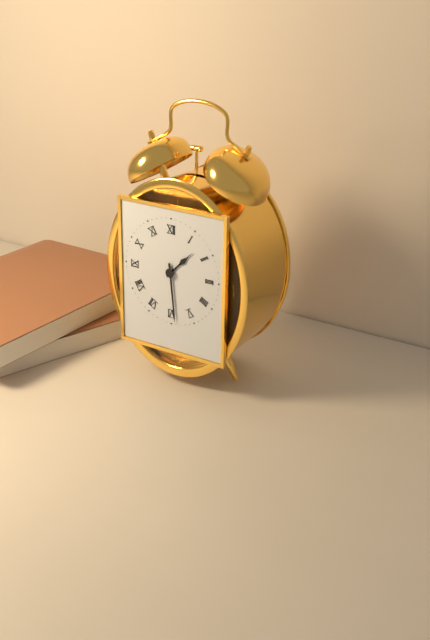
1 h 29 min
